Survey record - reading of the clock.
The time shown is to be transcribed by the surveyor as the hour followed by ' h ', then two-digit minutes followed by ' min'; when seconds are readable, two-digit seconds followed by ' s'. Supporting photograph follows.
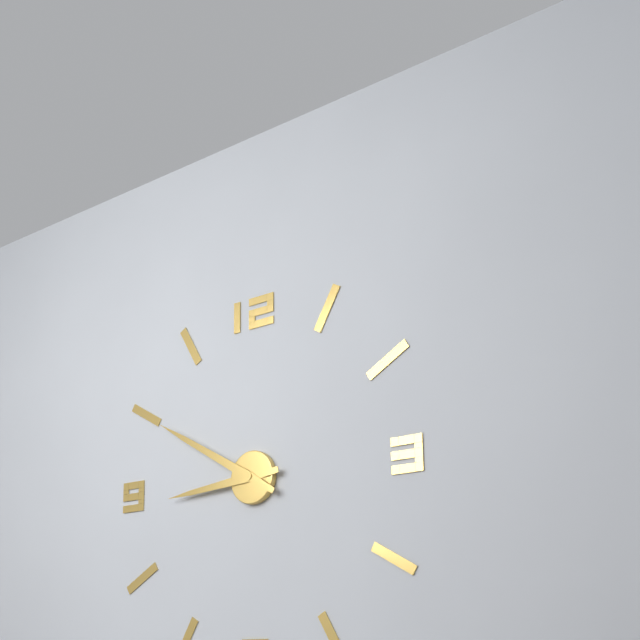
8 h 50 min
